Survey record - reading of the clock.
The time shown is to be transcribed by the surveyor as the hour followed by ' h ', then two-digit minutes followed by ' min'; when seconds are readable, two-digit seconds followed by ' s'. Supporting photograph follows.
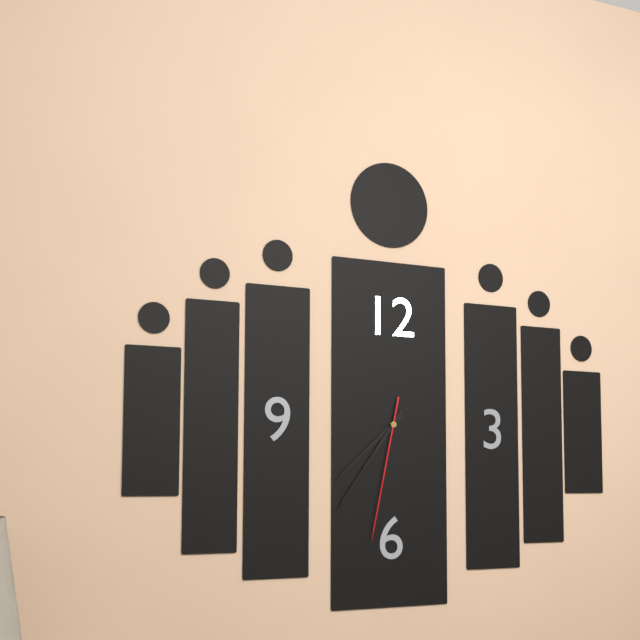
7 h 36 min 32 s
